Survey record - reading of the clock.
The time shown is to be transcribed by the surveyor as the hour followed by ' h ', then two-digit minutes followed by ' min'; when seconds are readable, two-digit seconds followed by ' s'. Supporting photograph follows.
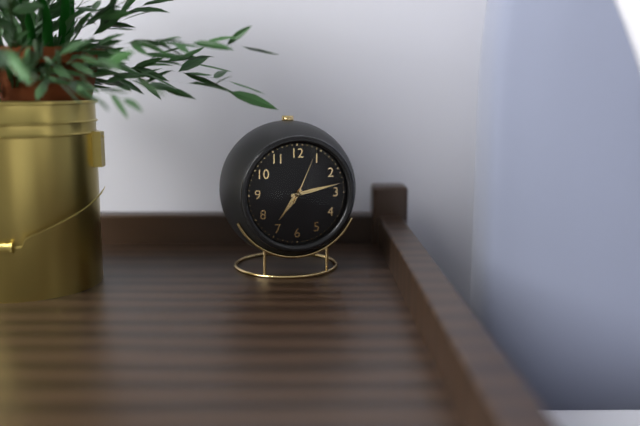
7 h 13 min
